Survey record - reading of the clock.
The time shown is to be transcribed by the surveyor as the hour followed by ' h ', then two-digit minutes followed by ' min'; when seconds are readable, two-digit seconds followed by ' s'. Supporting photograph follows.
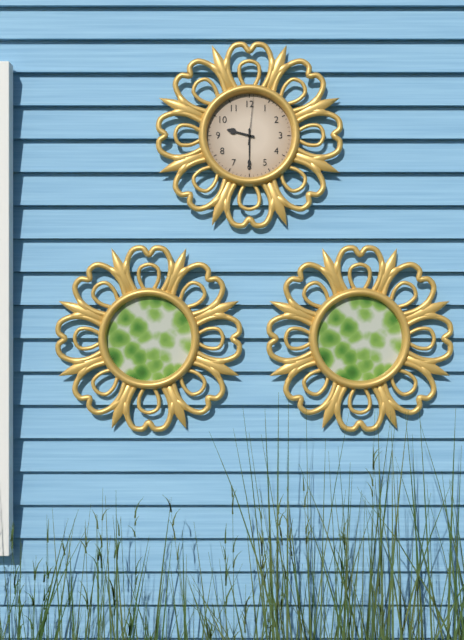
9 h 30 min
